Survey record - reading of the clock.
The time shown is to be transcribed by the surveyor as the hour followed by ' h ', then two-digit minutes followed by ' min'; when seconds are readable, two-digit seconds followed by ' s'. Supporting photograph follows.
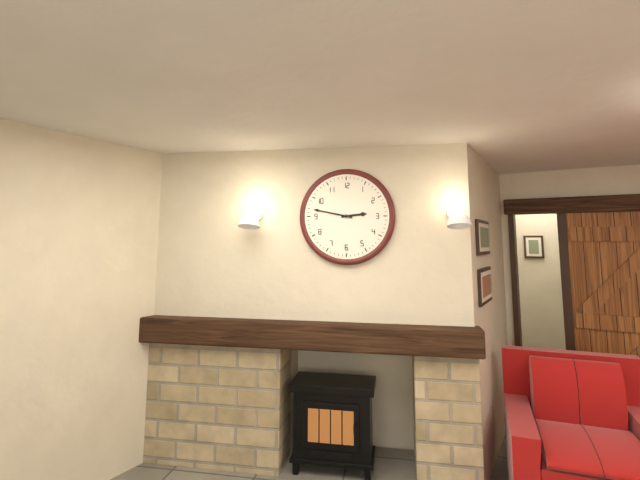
2 h 47 min
